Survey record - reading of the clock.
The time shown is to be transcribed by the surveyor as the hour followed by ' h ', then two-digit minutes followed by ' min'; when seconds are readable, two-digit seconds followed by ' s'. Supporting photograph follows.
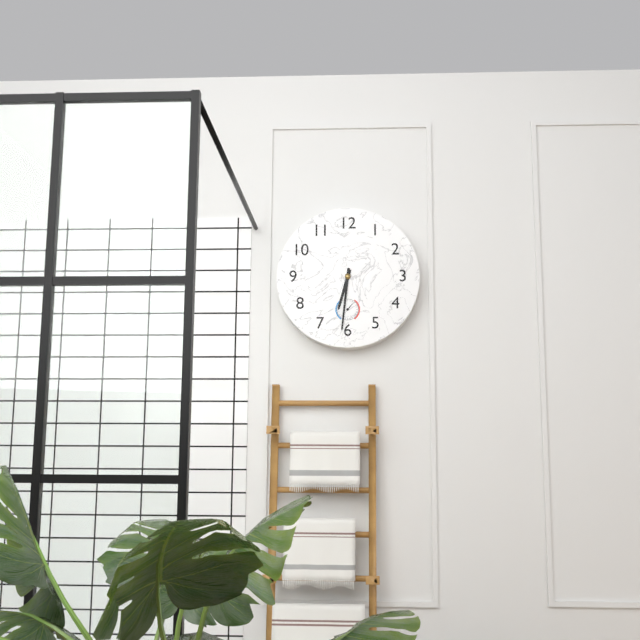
6 h 31 min
